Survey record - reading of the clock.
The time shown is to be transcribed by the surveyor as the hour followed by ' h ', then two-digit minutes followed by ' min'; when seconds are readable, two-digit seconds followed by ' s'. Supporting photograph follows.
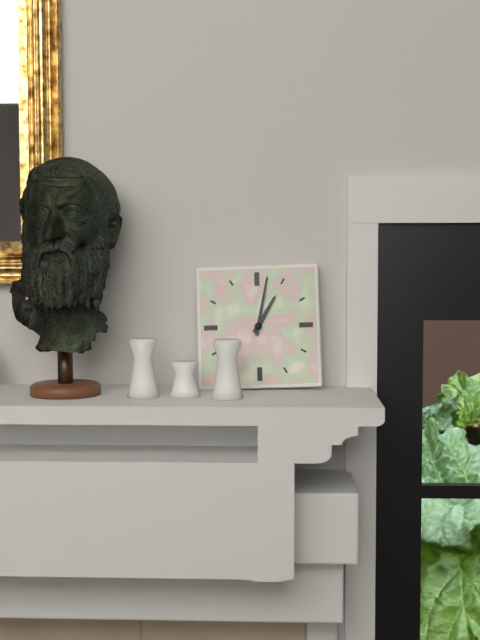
1 h 02 min
